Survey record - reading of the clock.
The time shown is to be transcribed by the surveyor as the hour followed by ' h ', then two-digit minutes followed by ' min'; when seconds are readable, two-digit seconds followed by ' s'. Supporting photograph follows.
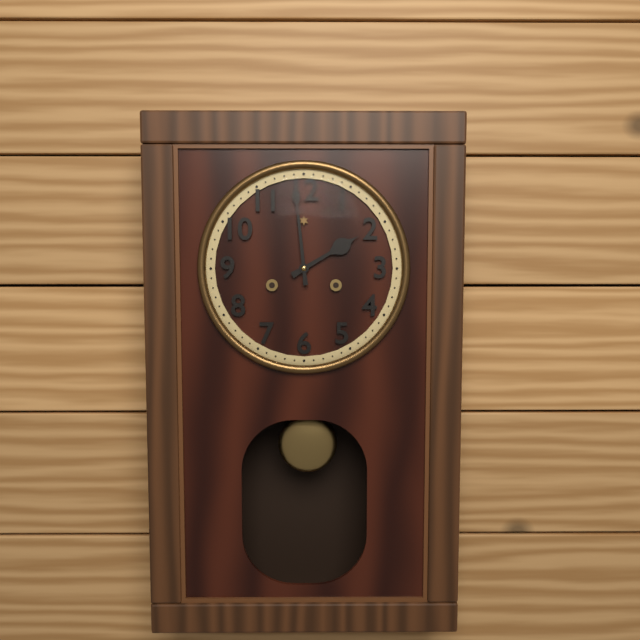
1 h 59 min
